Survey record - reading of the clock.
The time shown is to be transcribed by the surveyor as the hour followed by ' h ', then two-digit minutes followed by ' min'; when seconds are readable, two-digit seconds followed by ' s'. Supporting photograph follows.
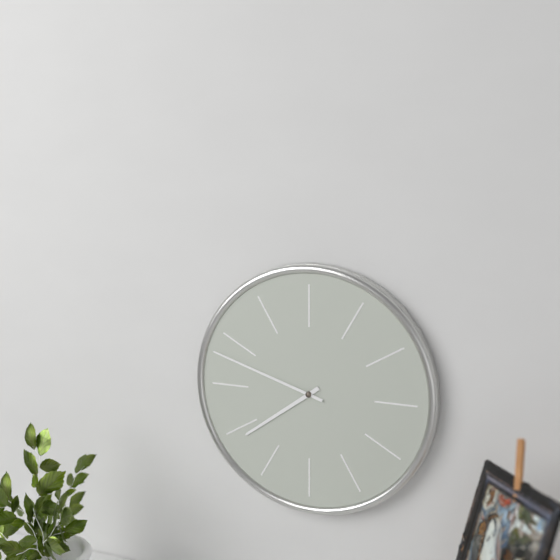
7 h 48 min
